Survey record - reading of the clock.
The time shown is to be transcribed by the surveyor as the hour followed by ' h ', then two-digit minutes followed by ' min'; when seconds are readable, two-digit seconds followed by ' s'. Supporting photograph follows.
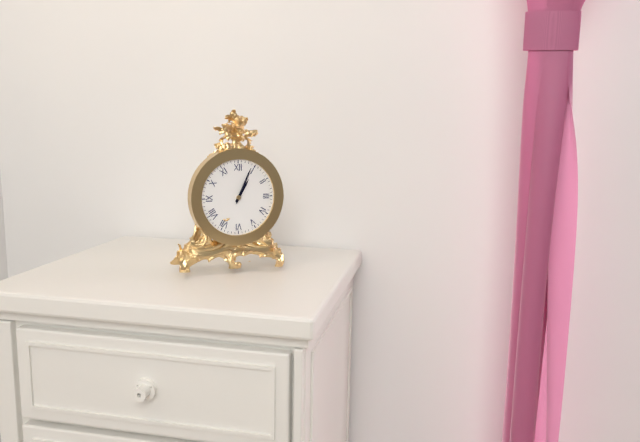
1 h 04 min
